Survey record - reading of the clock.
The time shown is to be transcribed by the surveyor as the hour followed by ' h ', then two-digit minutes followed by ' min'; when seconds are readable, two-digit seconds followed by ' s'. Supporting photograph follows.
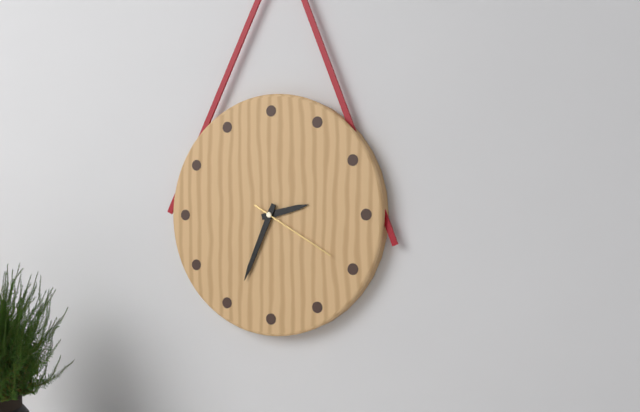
2 h 34 min 20 s
